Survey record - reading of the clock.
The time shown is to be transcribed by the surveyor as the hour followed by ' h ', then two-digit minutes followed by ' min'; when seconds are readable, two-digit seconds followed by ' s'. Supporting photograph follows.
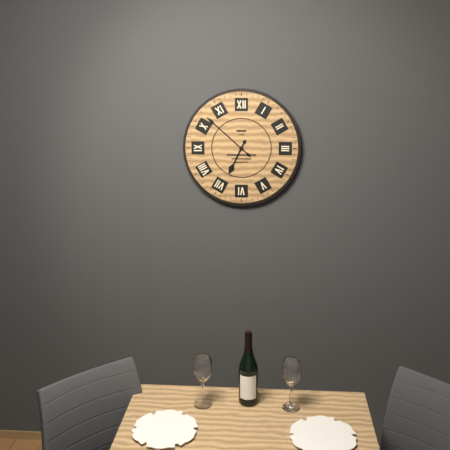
6 h 52 min
